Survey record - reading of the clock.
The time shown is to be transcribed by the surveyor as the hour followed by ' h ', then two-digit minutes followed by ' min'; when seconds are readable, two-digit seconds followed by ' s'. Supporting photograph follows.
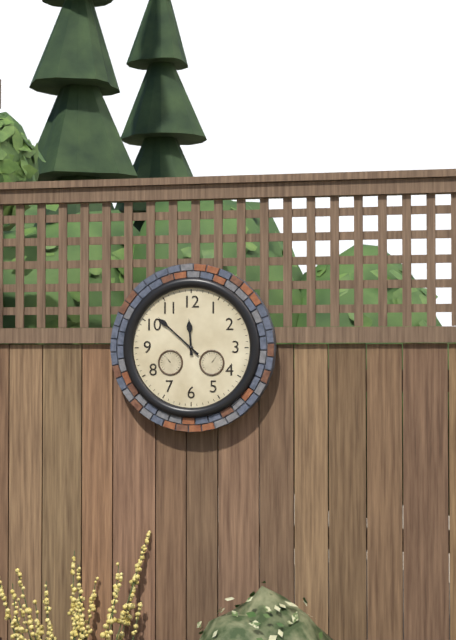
11 h 52 min
